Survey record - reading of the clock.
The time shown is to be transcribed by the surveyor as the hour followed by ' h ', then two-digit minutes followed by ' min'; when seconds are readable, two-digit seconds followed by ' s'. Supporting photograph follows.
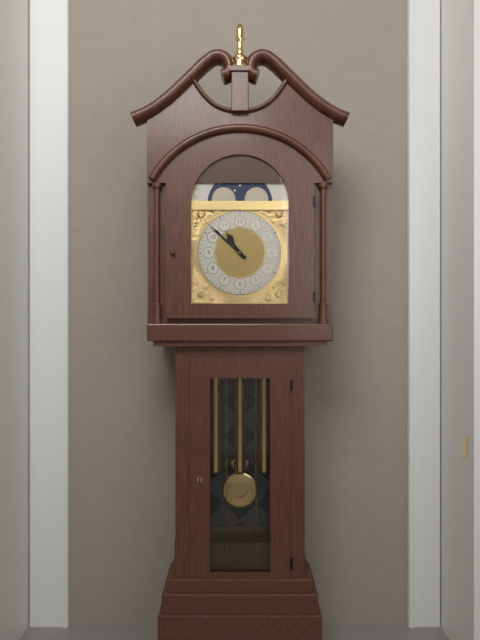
10 h 52 min
